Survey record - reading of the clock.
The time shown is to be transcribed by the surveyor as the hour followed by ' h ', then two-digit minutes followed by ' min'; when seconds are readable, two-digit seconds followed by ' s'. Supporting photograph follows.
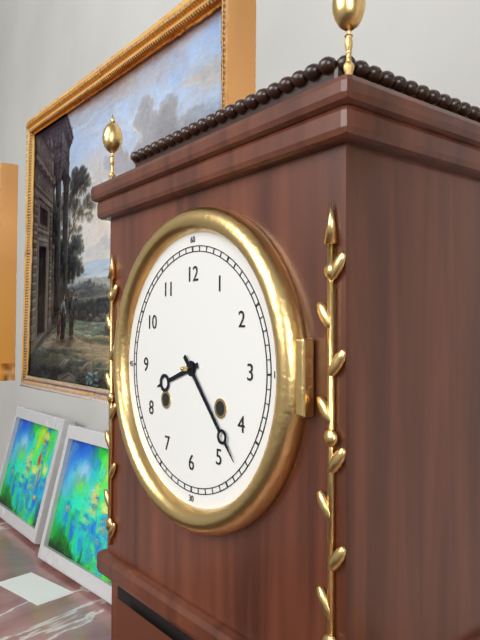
8 h 23 min
